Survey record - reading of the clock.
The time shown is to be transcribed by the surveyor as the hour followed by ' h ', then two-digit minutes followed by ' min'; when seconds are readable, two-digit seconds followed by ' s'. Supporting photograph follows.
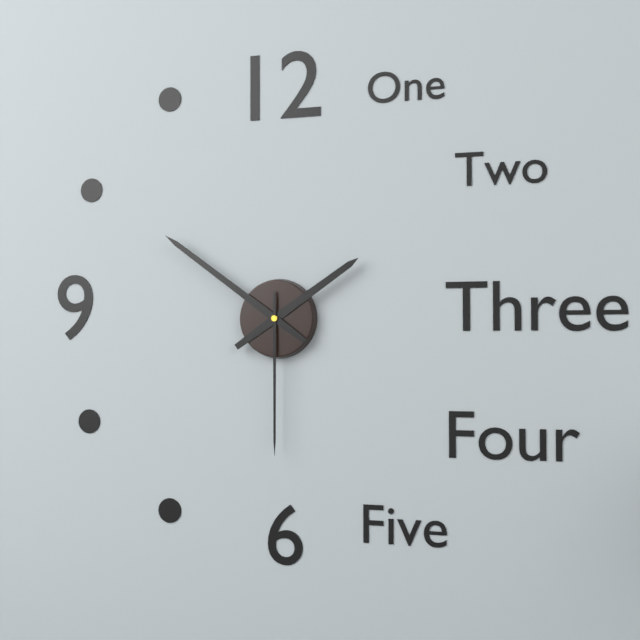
1 h 51 min 30 s
